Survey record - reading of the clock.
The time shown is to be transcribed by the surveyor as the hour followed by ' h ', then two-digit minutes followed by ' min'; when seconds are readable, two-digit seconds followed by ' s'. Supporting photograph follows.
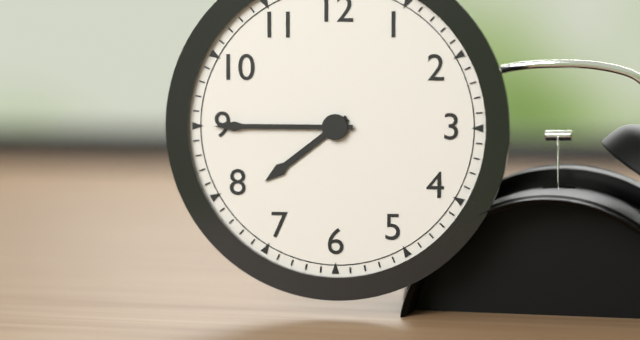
7 h 45 min
